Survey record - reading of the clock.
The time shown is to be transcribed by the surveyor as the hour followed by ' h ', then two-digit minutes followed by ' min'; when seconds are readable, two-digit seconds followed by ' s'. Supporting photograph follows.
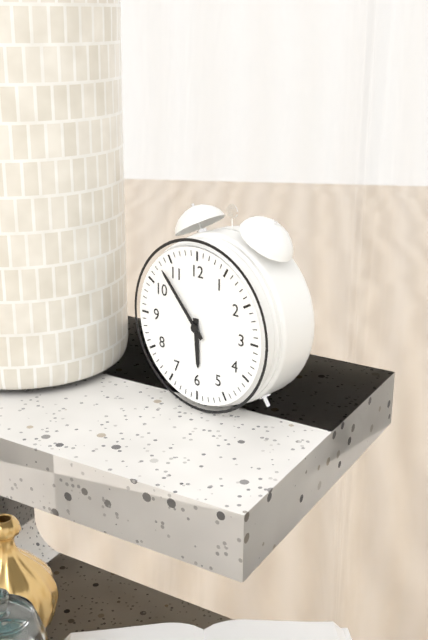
5 h 53 min
